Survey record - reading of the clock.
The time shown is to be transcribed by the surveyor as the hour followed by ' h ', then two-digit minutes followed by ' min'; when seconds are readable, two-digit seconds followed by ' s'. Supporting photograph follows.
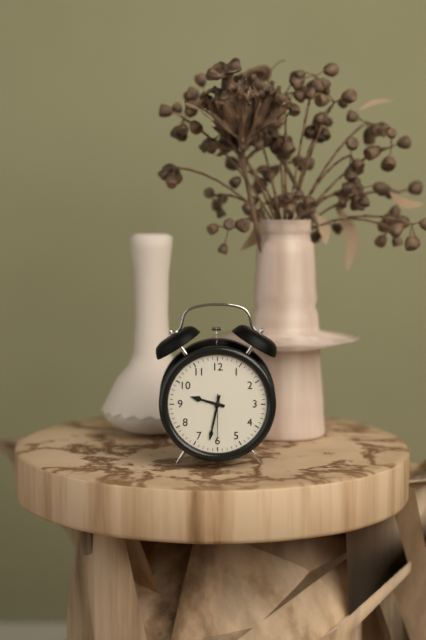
9 h 32 min
